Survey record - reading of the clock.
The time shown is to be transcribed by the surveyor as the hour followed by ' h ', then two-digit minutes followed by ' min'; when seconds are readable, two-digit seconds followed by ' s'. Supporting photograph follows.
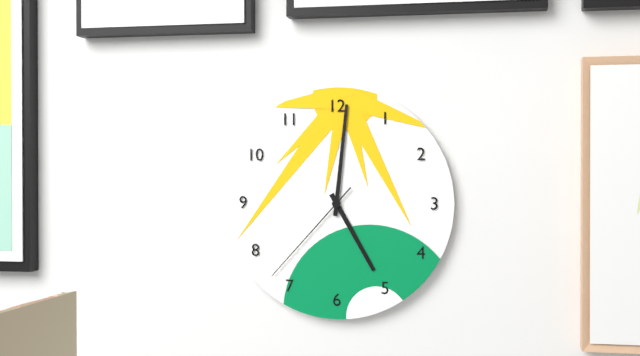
5 h 01 min 37 s
